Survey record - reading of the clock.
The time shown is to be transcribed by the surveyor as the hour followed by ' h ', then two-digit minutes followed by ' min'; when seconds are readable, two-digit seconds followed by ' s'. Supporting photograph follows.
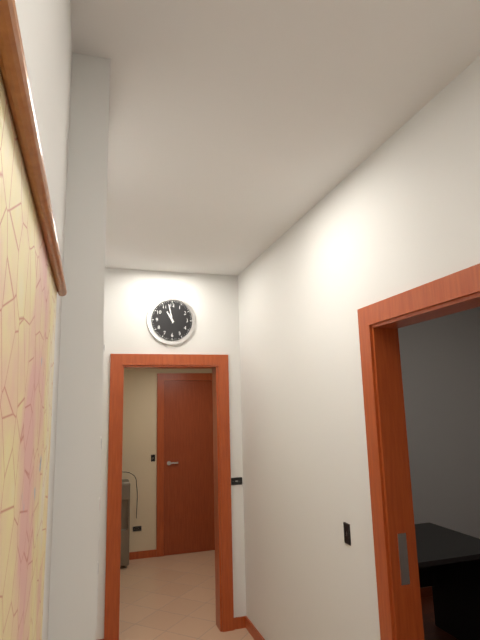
10 h 58 min
